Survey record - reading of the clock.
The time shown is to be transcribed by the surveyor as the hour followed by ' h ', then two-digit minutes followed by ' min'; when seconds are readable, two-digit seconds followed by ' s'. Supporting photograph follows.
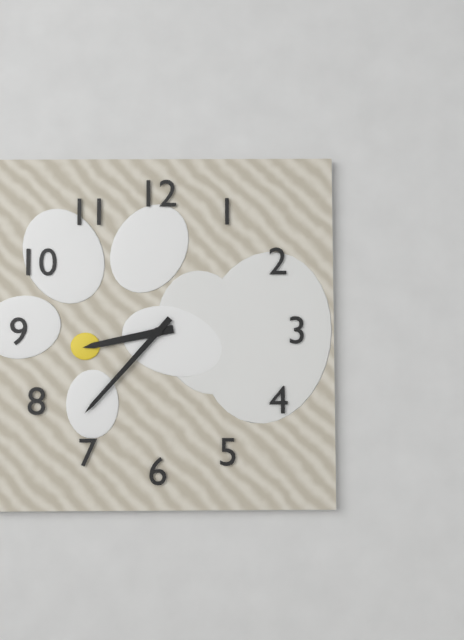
8 h 37 min
